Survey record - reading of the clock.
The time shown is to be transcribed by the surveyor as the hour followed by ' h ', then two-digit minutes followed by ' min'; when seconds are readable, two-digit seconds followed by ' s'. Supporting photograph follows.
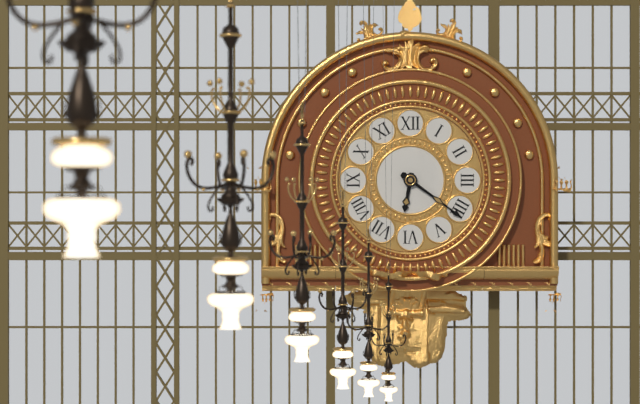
6 h 21 min
